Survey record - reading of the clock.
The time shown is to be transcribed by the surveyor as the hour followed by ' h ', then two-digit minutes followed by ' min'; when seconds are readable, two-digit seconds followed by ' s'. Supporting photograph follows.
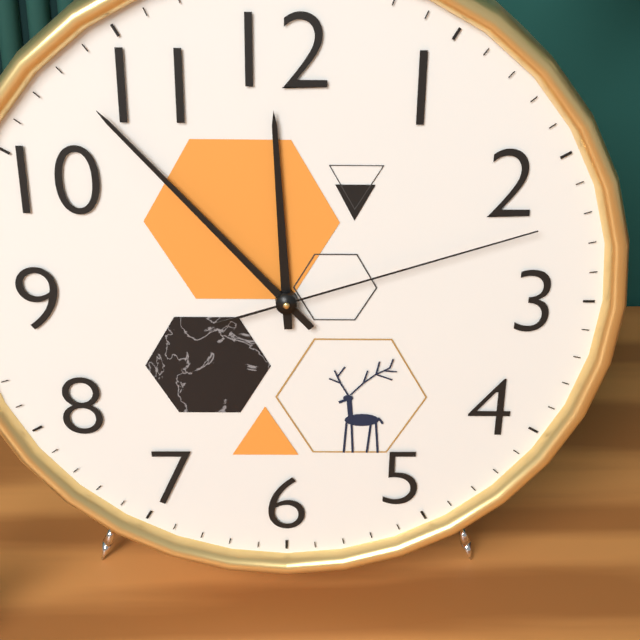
11 h 53 min 12 s
